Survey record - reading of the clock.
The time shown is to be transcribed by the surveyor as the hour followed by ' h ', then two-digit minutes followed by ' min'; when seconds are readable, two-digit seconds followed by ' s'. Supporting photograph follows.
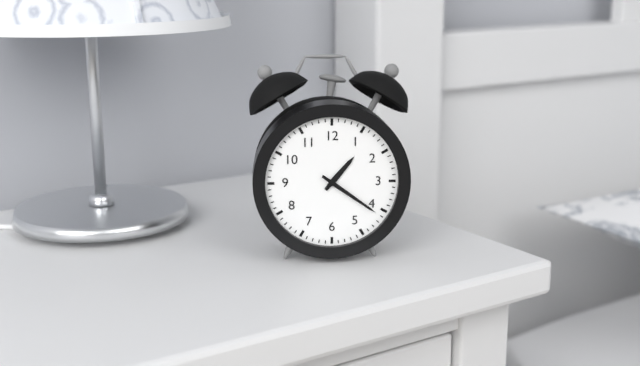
1 h 21 min
